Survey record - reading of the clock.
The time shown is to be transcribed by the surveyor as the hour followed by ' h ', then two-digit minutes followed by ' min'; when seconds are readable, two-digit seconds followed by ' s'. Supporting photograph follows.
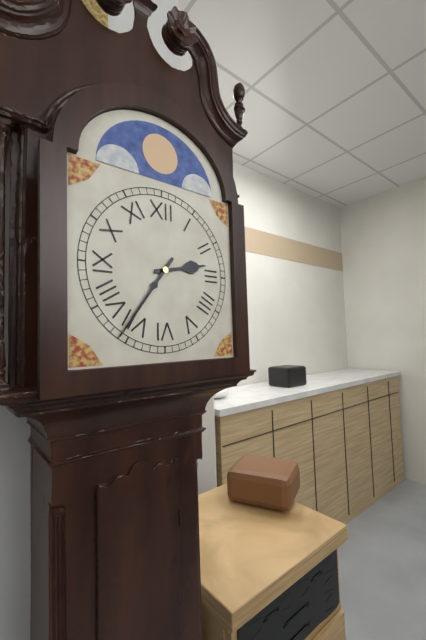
2 h 36 min
